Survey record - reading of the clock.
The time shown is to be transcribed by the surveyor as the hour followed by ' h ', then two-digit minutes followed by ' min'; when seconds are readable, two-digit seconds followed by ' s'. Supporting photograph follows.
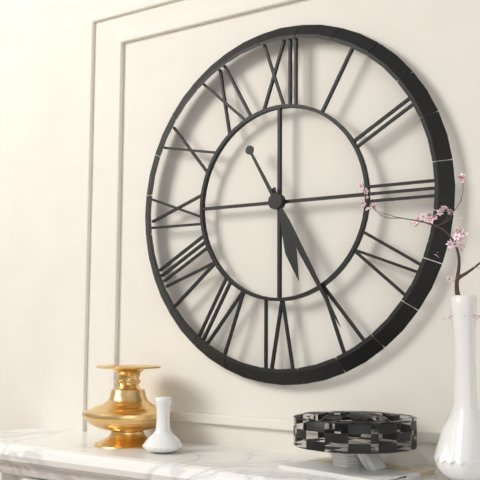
5 h 25 min
